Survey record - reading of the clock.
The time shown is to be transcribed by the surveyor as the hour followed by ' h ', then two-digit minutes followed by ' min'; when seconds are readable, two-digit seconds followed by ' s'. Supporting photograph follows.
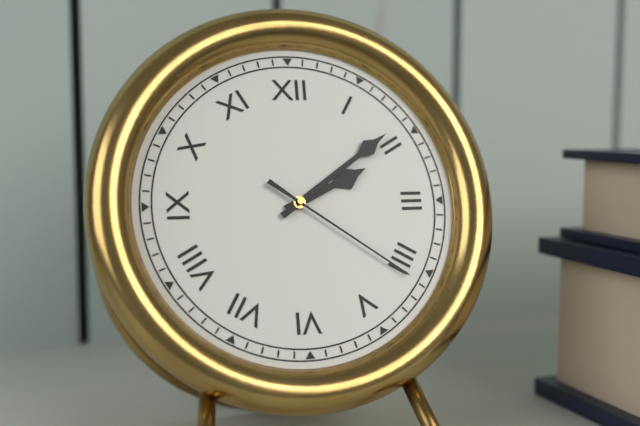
2 h 09 min 21 s
